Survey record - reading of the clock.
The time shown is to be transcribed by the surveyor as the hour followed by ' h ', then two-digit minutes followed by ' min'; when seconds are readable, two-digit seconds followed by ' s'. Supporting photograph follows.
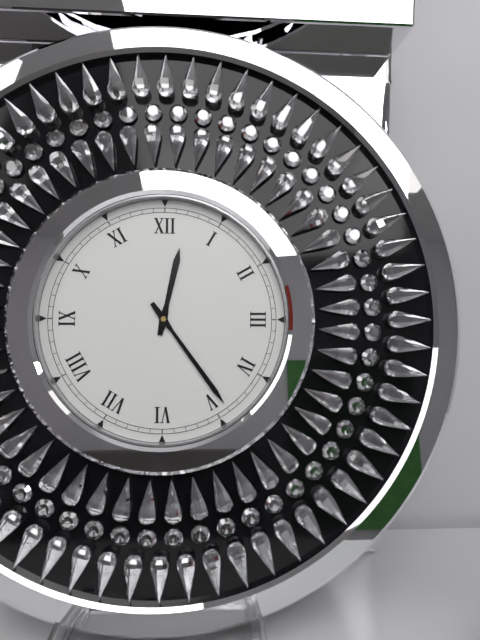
12 h 24 min
